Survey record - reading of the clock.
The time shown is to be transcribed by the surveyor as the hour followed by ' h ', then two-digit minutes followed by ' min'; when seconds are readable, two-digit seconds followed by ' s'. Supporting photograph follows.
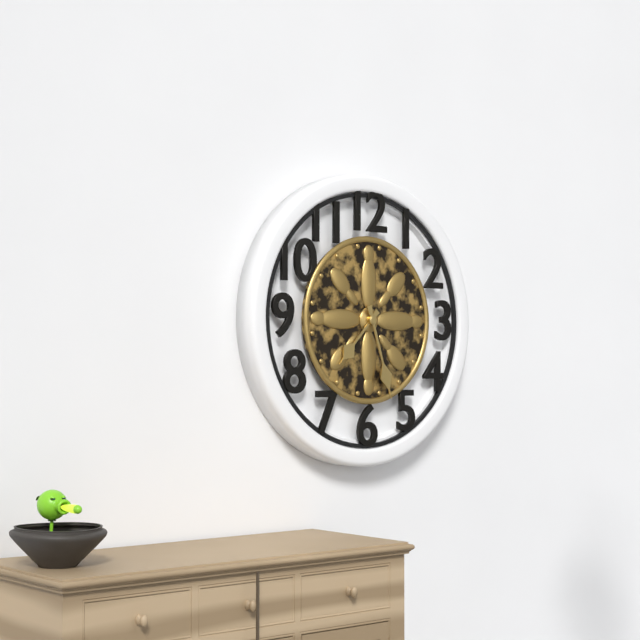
7 h 27 min
